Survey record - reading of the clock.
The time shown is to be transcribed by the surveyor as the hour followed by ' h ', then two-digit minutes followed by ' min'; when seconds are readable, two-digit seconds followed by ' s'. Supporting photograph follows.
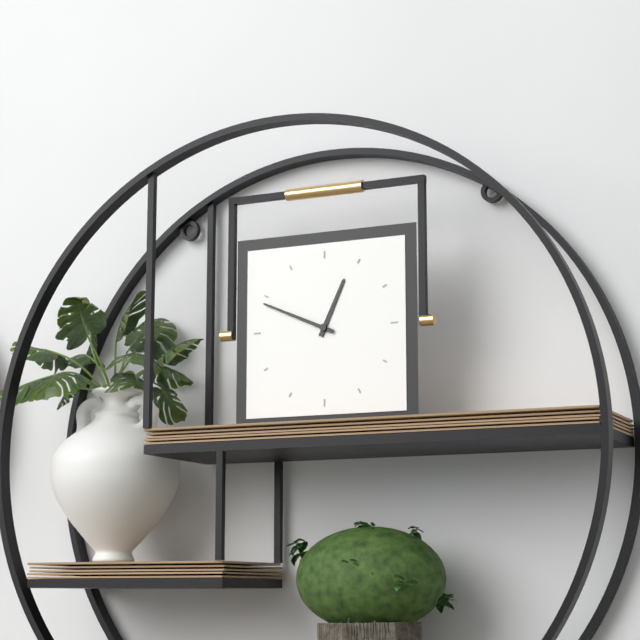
12 h 49 min
